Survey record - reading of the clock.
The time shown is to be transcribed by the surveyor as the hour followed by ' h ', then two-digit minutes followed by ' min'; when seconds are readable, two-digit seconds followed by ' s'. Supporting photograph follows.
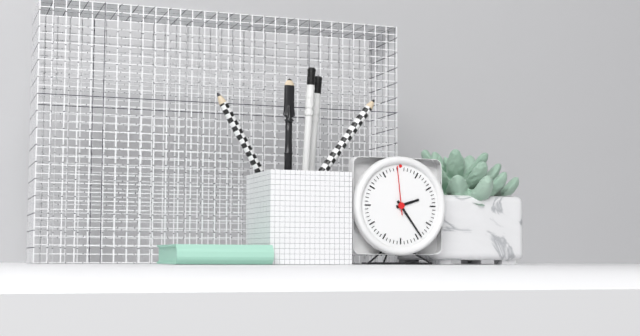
2 h 24 min 59 s
